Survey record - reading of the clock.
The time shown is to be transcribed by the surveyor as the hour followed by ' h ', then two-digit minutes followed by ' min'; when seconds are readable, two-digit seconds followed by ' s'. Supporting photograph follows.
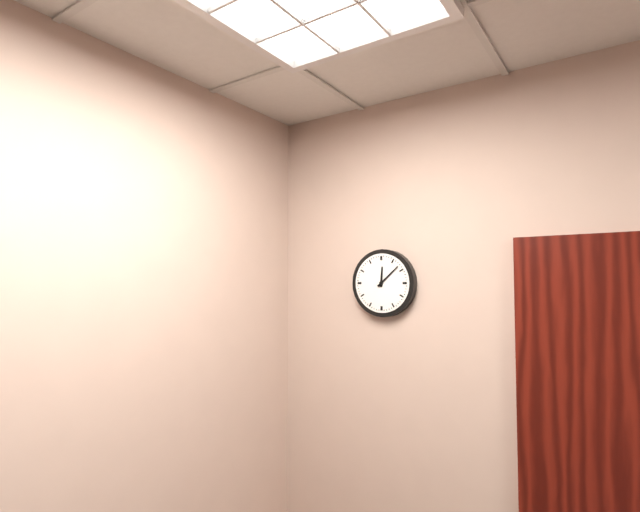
12 h 08 min
